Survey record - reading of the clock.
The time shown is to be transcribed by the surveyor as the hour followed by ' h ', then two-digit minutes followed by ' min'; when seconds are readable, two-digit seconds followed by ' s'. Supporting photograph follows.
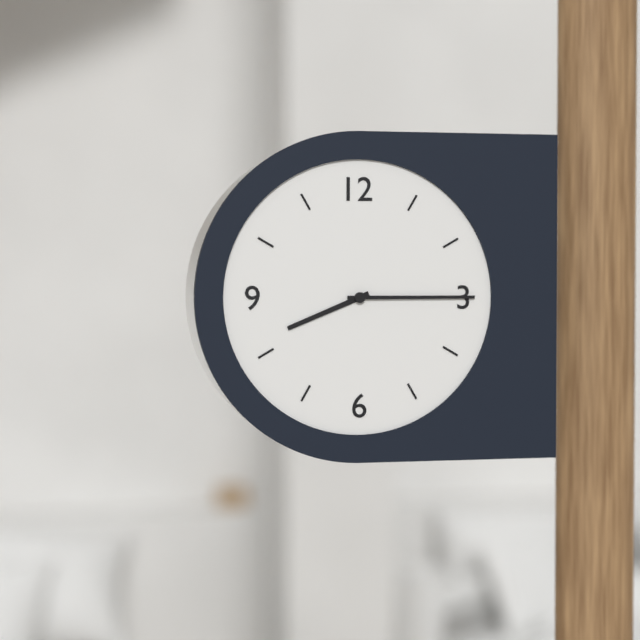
8 h 15 min
